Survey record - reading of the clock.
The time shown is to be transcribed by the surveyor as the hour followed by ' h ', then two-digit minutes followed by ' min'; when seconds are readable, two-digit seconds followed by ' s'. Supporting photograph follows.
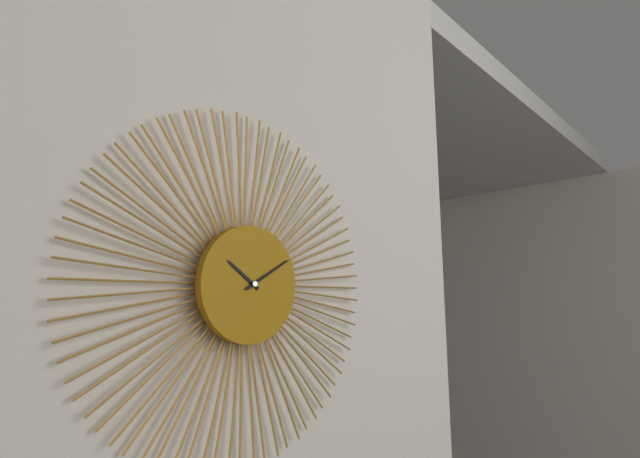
10 h 10 min
